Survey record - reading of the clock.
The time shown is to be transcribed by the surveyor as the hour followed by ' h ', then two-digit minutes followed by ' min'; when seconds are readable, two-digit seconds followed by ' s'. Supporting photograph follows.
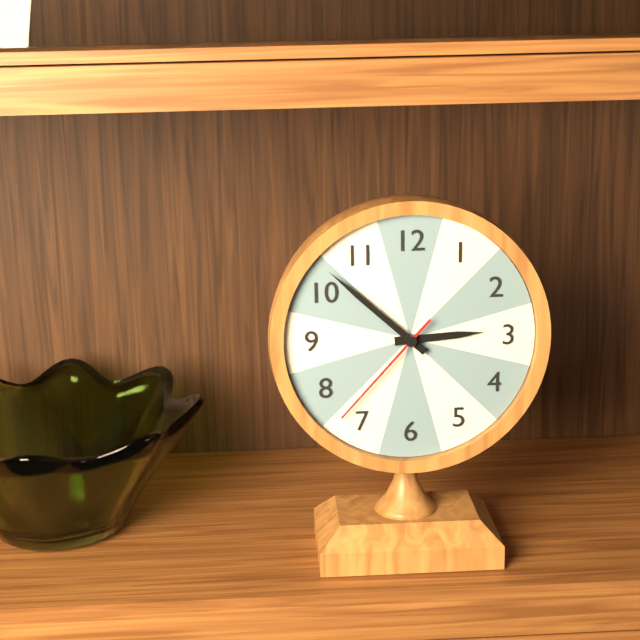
2 h 52 min 37 s
